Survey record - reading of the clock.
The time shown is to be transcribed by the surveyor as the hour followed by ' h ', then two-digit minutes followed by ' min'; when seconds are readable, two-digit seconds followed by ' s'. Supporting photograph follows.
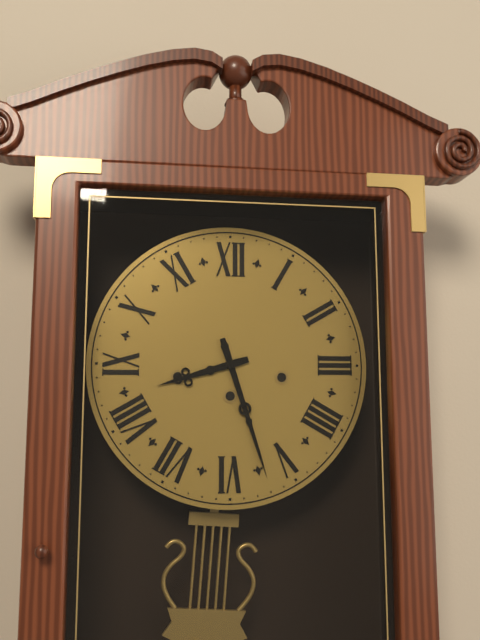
8 h 27 min
